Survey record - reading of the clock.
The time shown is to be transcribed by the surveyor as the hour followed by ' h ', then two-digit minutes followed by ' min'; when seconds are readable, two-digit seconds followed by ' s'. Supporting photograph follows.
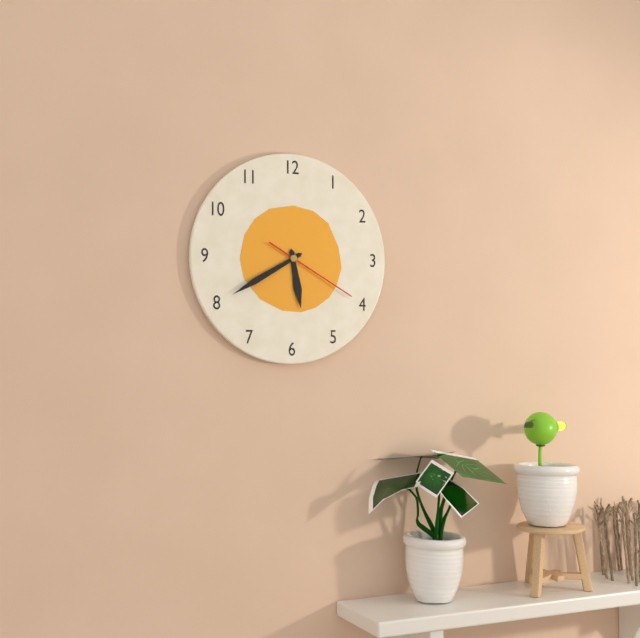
5 h 40 min 20 s
